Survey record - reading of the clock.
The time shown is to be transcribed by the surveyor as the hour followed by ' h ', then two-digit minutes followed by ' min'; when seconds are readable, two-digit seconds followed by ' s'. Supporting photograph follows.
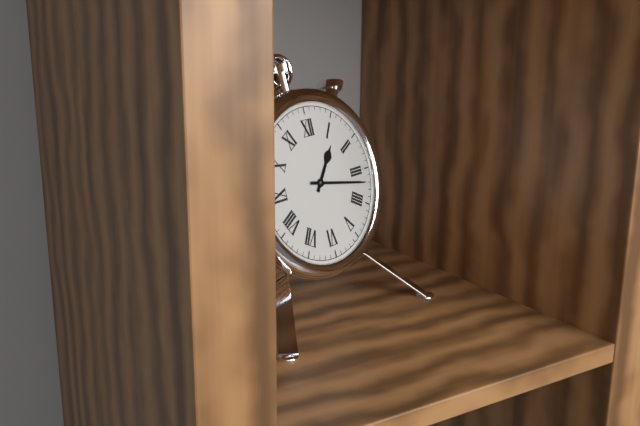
1 h 17 min
